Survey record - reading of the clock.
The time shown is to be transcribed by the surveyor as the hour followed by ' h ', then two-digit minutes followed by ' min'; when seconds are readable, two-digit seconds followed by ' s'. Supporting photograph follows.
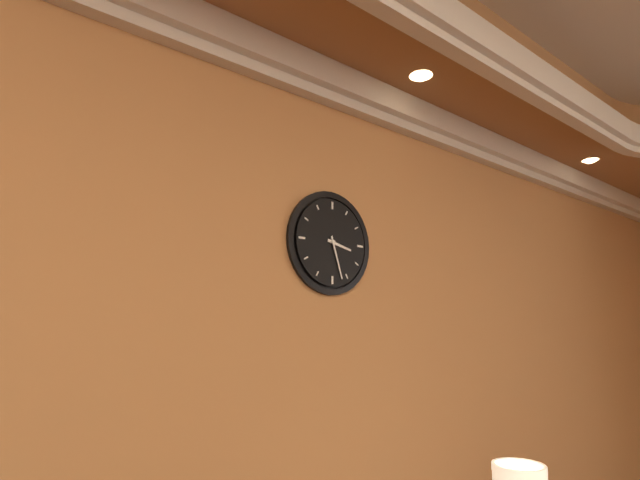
3 h 27 min
